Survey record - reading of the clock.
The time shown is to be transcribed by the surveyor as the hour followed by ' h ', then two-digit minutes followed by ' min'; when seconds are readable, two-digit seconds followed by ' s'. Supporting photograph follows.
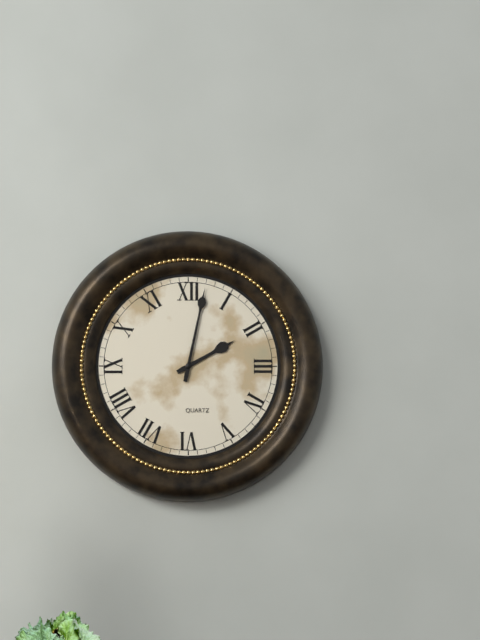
2 h 02 min
